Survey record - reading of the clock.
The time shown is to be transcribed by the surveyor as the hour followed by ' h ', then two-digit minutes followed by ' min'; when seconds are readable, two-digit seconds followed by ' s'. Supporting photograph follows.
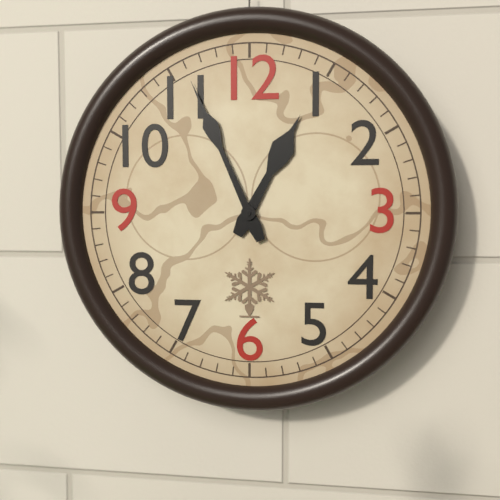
12 h 56 min
